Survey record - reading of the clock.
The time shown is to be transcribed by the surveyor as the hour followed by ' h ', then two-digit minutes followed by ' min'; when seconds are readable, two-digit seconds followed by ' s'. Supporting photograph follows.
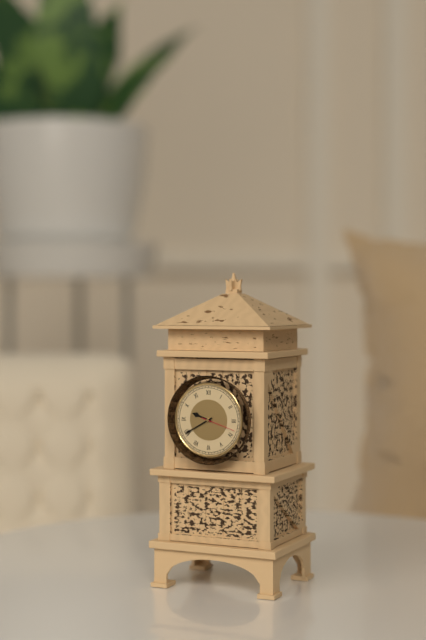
9 h 40 min
